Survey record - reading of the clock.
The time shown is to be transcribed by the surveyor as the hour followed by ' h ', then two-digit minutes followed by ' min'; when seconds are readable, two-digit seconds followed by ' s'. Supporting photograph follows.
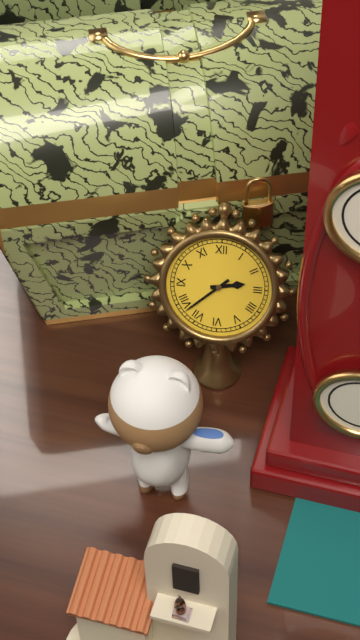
2 h 38 min
